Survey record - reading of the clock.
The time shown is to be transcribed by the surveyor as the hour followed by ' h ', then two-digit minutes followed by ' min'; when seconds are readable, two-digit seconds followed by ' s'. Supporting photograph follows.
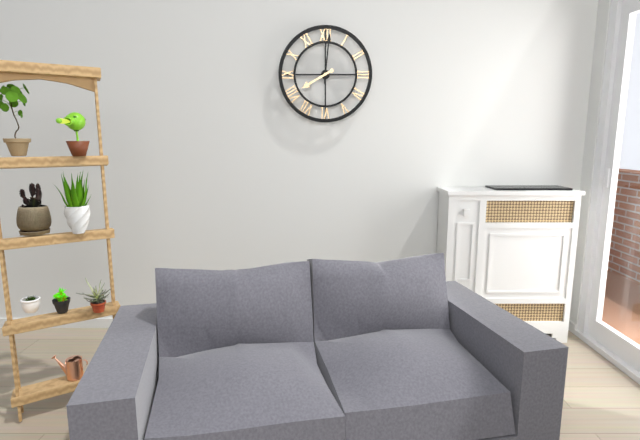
8 h 01 min
